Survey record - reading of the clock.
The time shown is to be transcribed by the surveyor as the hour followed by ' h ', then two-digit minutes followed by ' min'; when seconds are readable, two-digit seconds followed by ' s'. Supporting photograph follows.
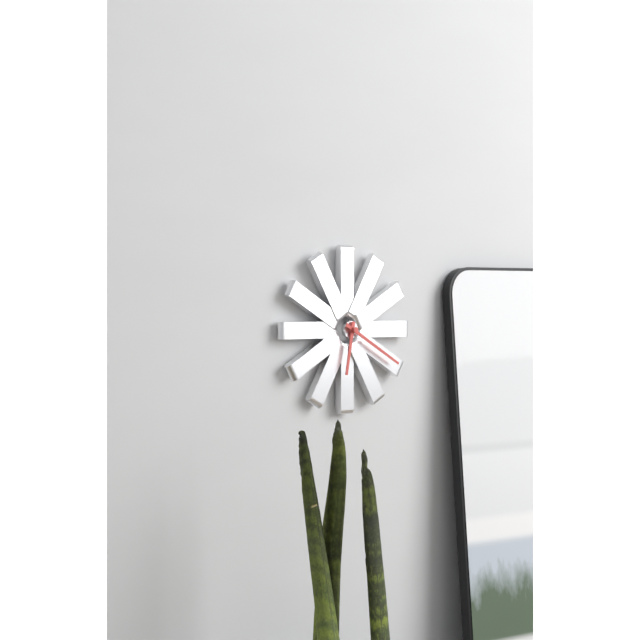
6 h 20 min
